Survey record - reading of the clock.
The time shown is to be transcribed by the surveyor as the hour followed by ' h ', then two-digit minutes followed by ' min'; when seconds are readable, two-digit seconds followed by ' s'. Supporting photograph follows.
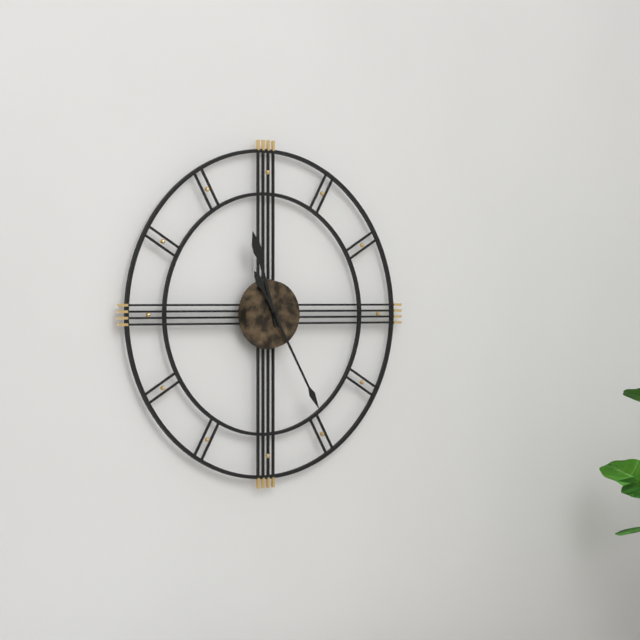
11 h 25 min
